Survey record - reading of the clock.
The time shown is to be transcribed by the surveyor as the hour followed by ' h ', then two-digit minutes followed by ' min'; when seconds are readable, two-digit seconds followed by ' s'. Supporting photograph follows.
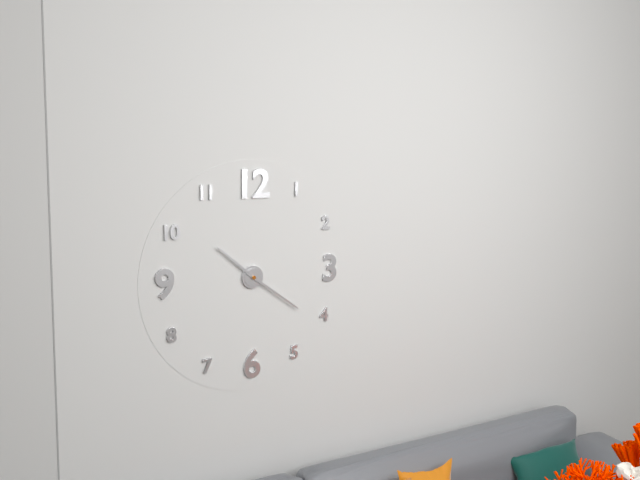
10 h 21 min
